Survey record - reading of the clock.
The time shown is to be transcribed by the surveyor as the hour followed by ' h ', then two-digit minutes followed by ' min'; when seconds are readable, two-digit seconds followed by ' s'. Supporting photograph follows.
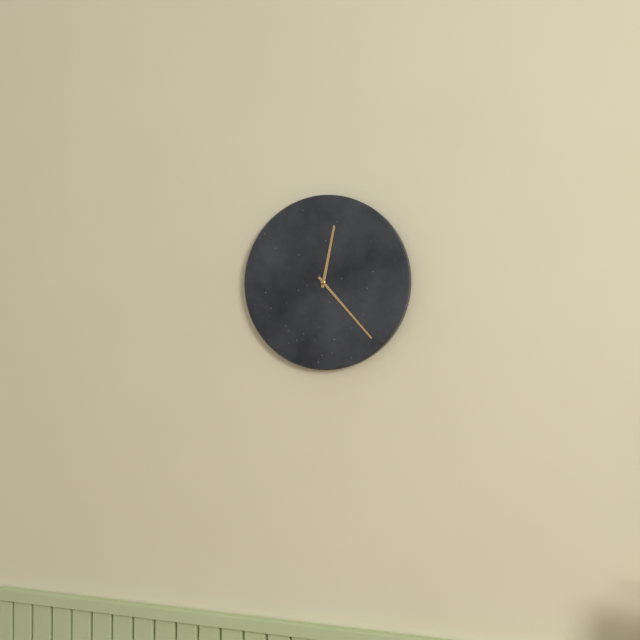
12 h 23 min
